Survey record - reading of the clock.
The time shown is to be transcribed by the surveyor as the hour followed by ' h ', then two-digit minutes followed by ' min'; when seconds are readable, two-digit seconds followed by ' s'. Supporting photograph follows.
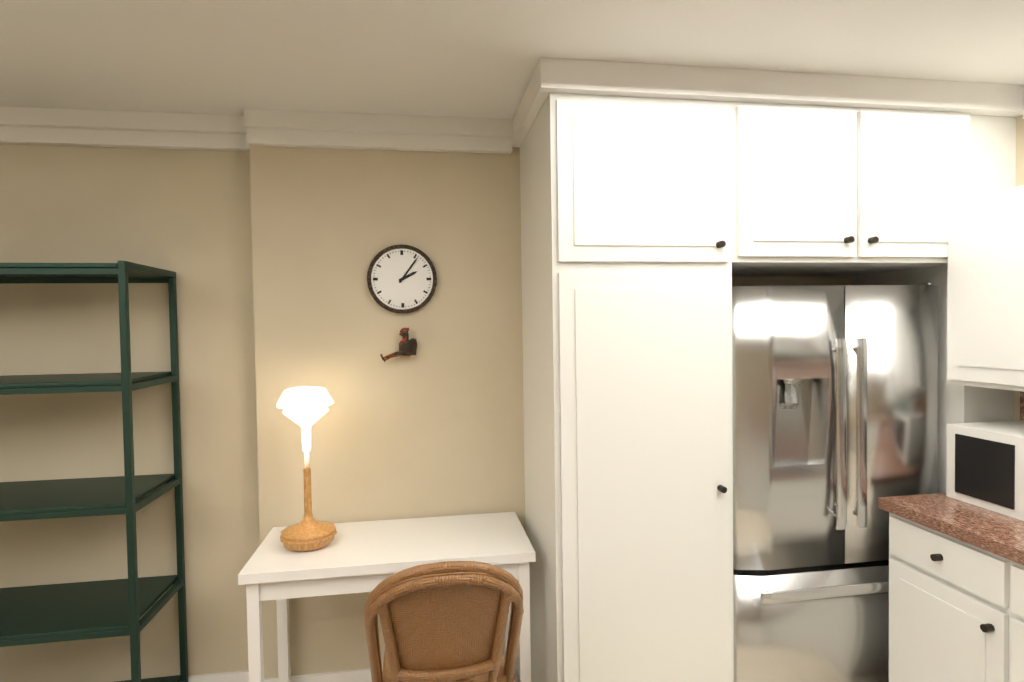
2 h 06 min
